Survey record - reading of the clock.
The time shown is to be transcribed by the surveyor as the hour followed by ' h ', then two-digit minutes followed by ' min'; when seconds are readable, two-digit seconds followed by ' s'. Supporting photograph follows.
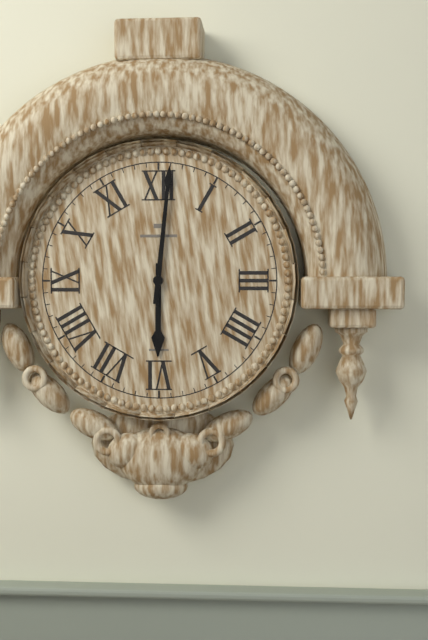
6 h 01 min
